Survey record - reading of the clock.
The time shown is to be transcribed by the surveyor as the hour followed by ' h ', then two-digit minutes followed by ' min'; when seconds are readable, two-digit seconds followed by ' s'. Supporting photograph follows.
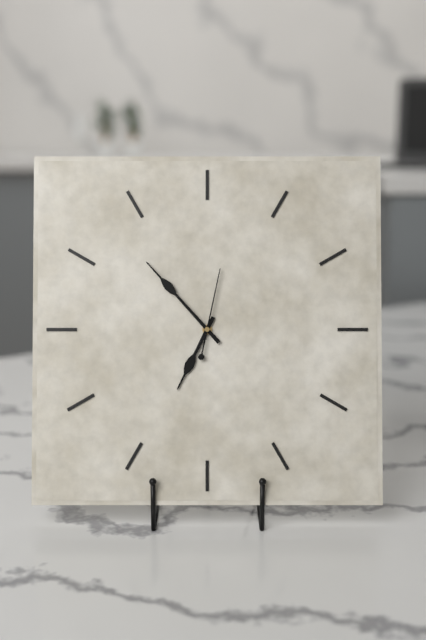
6 h 53 min 02 s
